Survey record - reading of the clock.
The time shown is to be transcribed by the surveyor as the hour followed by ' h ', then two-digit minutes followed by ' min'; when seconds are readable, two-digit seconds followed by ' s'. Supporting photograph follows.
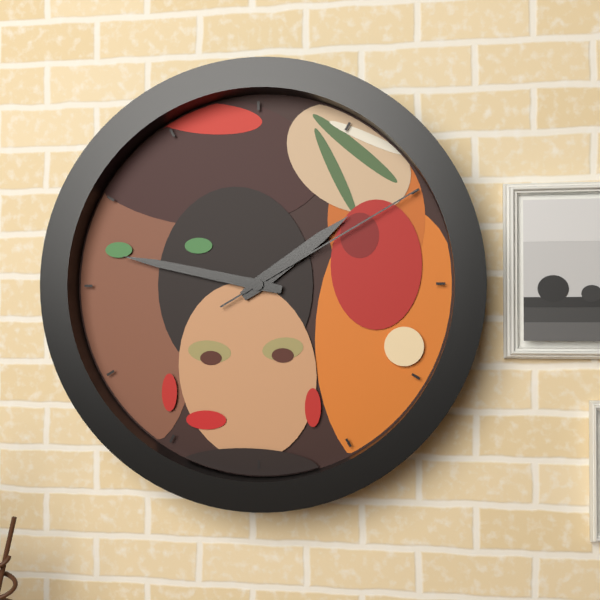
1 h 47 min 10 s
